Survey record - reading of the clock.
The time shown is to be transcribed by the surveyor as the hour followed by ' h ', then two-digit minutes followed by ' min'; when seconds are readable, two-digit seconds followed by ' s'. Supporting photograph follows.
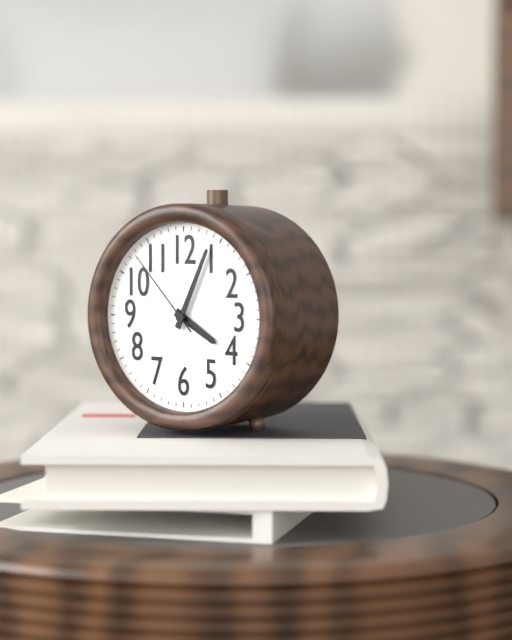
4 h 04 min 53 s
